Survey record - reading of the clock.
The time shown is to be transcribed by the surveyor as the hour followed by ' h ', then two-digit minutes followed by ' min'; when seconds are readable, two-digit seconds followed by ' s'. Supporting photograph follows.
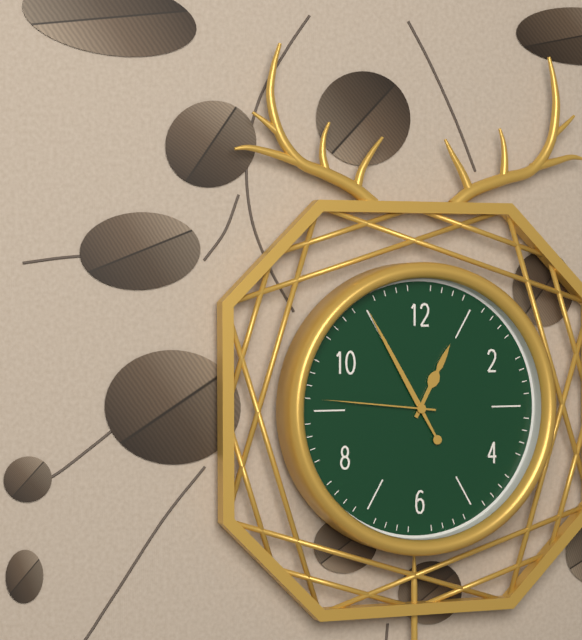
12 h 55 min 46 s
